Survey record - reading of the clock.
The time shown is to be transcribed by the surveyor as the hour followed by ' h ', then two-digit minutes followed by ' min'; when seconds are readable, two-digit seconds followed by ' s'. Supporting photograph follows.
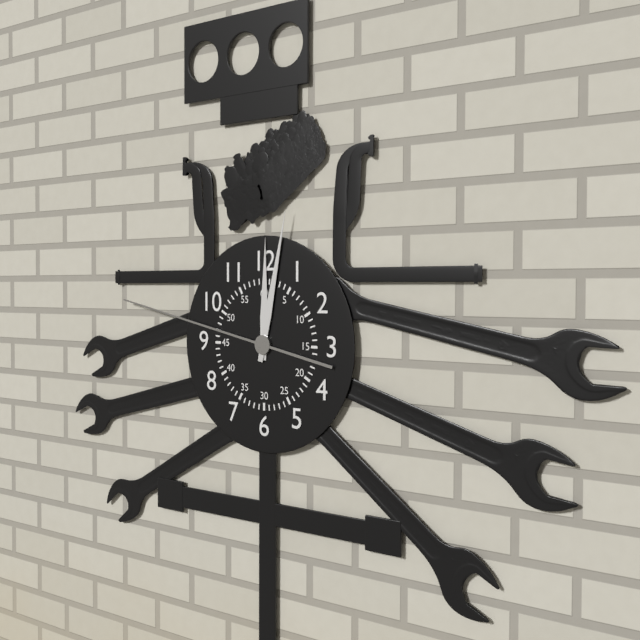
12 h 02 min 47 s
